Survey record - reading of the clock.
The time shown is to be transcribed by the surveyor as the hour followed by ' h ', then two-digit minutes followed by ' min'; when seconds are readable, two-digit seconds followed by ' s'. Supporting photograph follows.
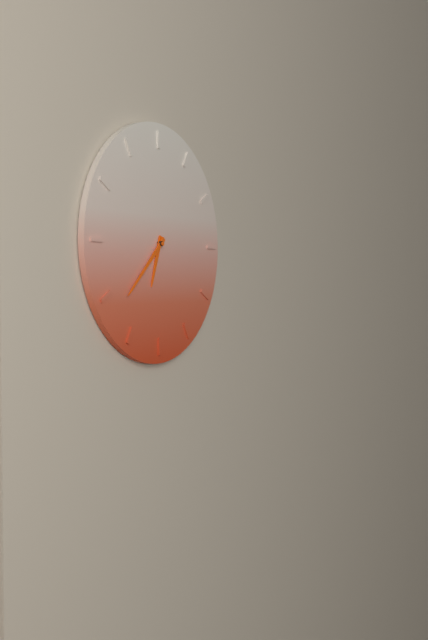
6 h 38 min
